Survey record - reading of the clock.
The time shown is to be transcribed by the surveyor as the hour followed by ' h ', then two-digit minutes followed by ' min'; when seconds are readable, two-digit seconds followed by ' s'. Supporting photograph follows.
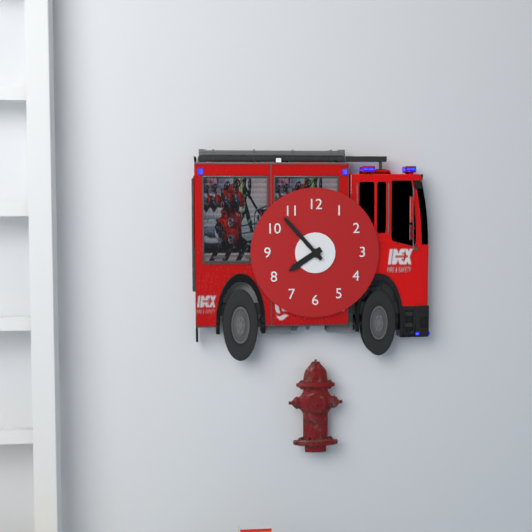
7 h 53 min
